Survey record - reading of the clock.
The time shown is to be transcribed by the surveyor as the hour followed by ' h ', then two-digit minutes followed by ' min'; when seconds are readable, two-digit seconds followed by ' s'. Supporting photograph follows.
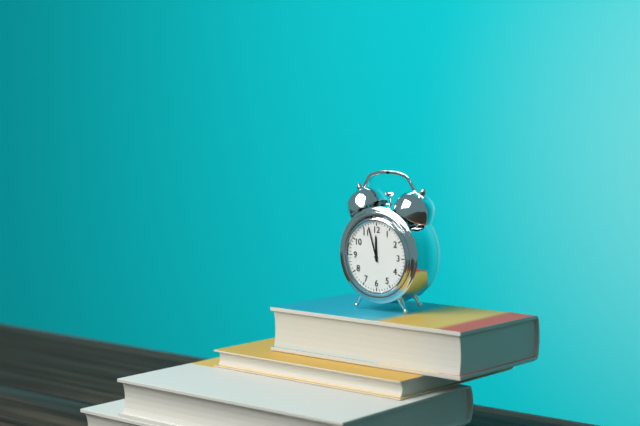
11 h 57 min
